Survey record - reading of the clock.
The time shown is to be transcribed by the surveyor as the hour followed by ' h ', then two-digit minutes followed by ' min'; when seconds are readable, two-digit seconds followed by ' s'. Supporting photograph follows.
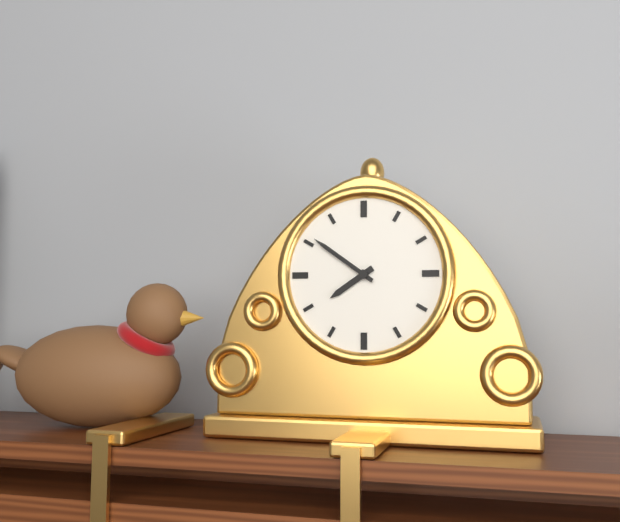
7 h 51 min
